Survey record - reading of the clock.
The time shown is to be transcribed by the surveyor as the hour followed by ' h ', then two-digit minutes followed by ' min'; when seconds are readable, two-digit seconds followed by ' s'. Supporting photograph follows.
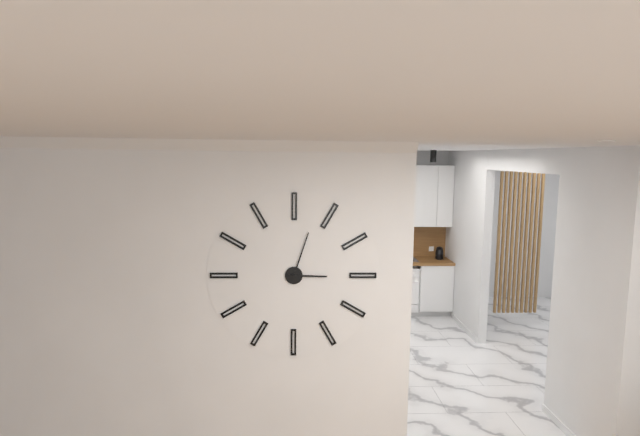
3 h 03 min
